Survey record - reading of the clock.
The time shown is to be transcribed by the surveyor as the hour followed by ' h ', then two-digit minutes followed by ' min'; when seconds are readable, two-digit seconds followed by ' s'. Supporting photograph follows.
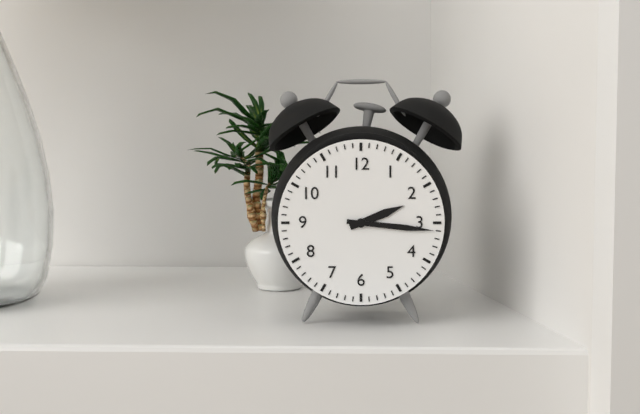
2 h 16 min
